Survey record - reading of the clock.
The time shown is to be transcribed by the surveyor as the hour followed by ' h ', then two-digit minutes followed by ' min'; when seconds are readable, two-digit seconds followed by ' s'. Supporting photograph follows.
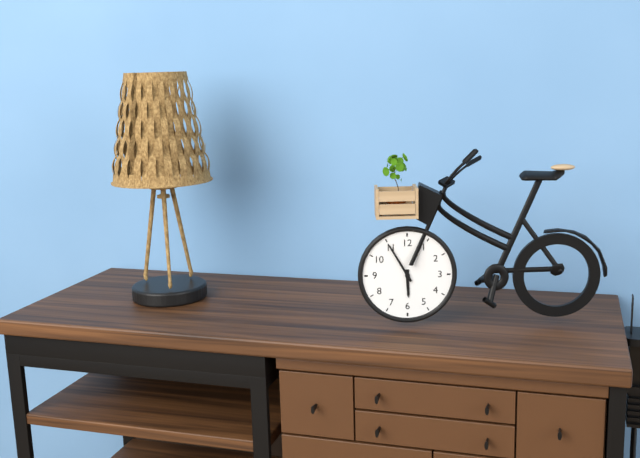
5 h 55 min
